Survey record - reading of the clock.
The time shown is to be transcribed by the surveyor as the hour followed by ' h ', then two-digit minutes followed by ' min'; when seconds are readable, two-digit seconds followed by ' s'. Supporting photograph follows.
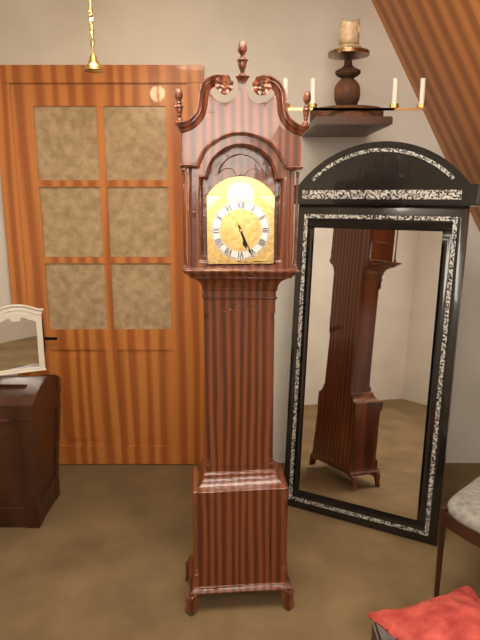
5 h 26 min
